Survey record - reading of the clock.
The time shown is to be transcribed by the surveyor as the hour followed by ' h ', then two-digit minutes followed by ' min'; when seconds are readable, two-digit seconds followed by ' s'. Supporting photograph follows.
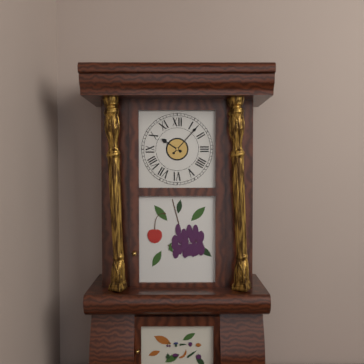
10 h 07 min
